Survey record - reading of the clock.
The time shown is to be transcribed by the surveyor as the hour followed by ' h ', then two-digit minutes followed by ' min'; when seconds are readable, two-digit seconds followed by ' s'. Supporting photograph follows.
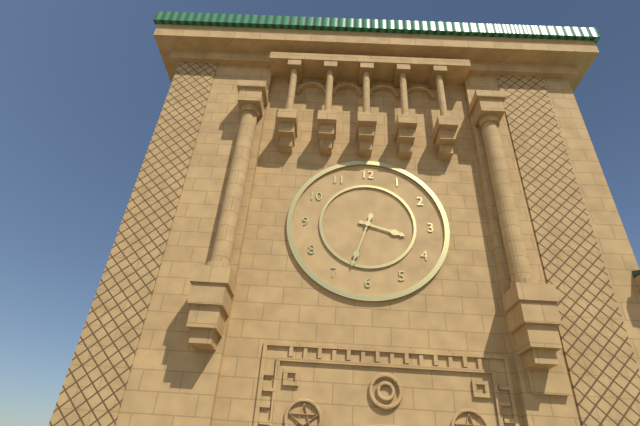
3 h 33 min
